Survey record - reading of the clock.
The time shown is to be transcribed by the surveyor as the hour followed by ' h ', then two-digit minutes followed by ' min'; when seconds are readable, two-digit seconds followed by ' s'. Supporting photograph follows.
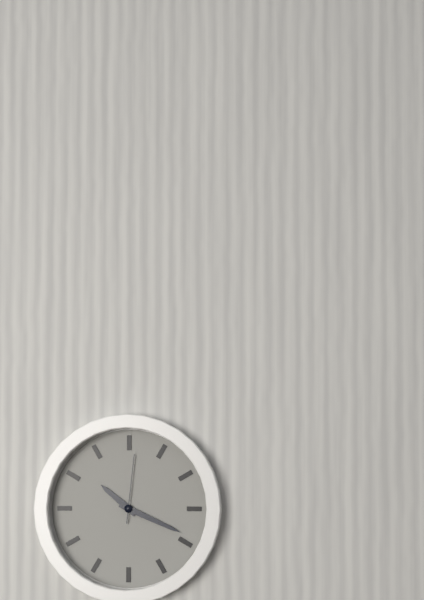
10 h 19 min 01 s
